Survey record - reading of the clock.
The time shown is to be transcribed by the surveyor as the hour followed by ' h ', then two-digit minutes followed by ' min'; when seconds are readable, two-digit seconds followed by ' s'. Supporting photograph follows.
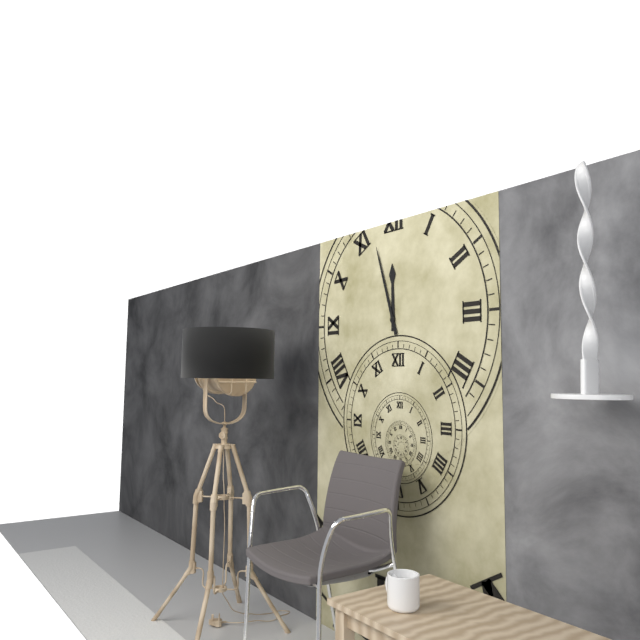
11 h 57 min
